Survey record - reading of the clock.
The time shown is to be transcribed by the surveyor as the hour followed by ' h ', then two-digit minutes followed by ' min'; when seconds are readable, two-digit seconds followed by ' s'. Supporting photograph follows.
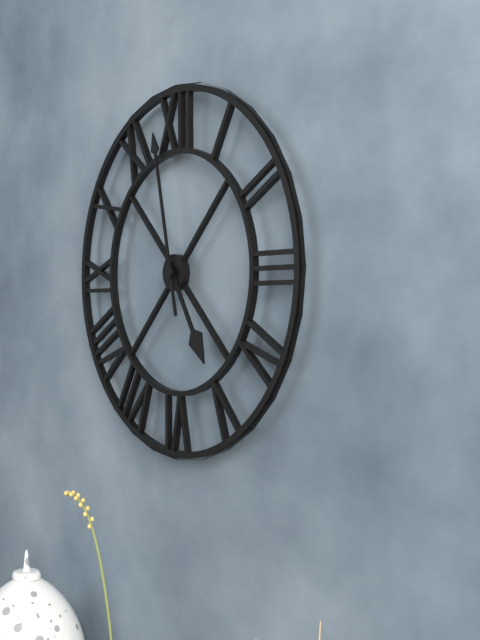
4 h 58 min
